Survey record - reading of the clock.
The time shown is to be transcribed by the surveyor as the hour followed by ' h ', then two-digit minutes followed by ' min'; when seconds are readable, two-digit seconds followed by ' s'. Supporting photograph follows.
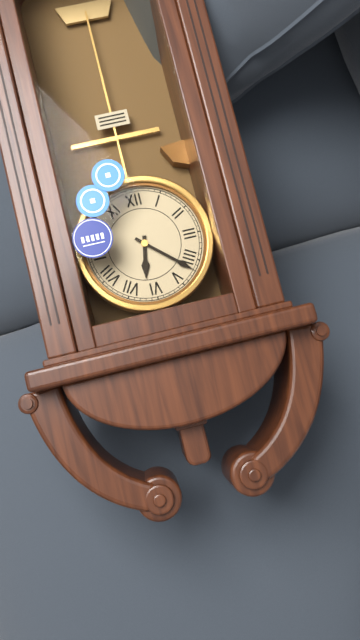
6 h 22 min
